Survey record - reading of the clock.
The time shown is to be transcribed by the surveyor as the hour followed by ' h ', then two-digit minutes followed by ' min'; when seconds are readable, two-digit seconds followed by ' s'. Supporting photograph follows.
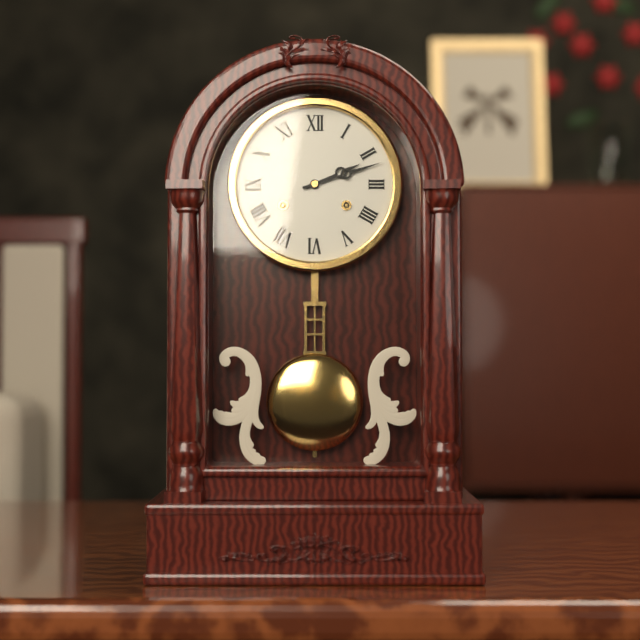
2 h 12 min
